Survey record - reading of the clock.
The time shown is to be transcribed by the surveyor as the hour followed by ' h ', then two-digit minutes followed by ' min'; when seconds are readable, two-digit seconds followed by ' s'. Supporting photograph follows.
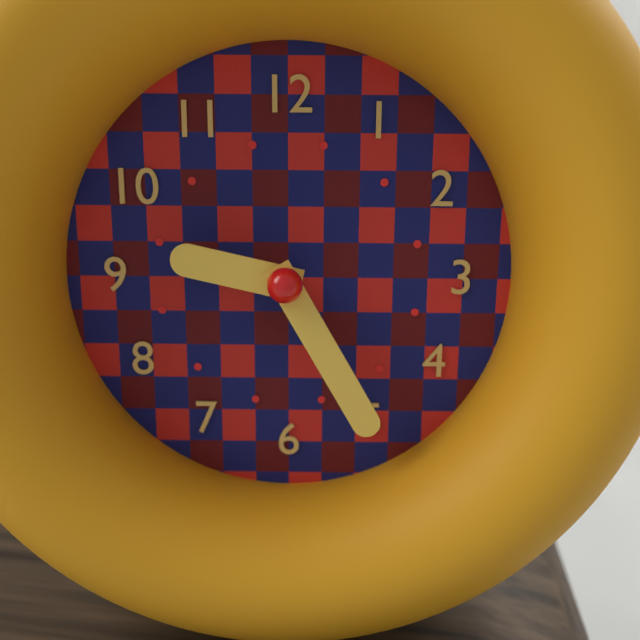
9 h 25 min
